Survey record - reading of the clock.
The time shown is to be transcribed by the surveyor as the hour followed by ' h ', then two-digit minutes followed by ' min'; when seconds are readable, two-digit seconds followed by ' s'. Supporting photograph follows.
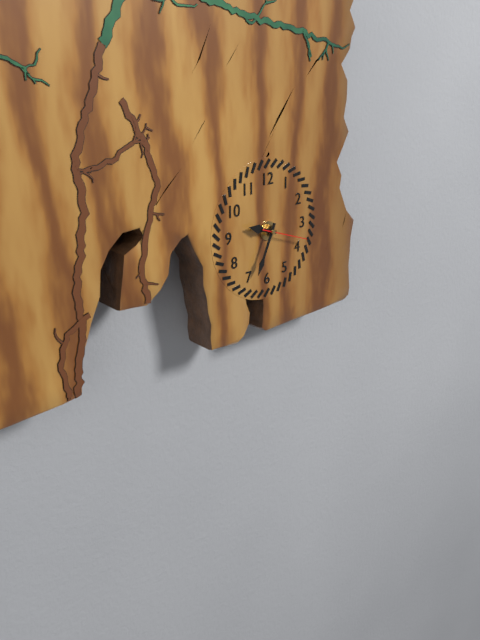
9 h 34 min
